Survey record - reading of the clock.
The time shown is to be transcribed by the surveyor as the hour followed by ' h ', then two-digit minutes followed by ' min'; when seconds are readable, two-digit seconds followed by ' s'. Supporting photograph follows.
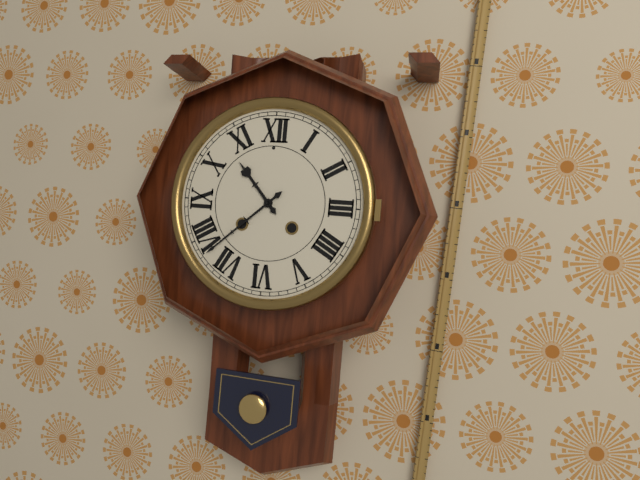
10 h 38 min
